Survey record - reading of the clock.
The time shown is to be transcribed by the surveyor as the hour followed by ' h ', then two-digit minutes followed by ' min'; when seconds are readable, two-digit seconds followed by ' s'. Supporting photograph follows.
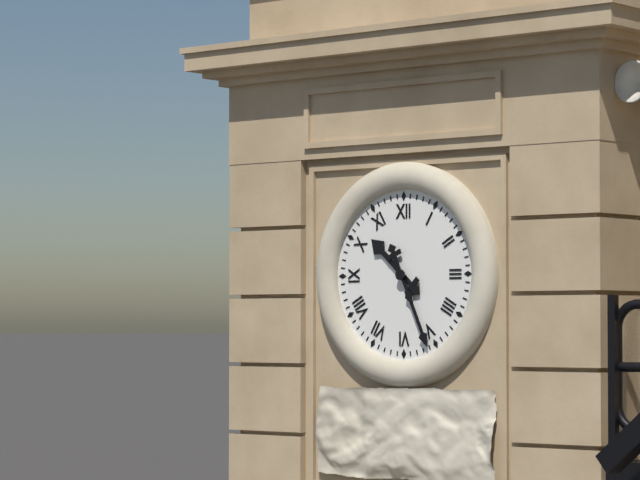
10 h 26 min
